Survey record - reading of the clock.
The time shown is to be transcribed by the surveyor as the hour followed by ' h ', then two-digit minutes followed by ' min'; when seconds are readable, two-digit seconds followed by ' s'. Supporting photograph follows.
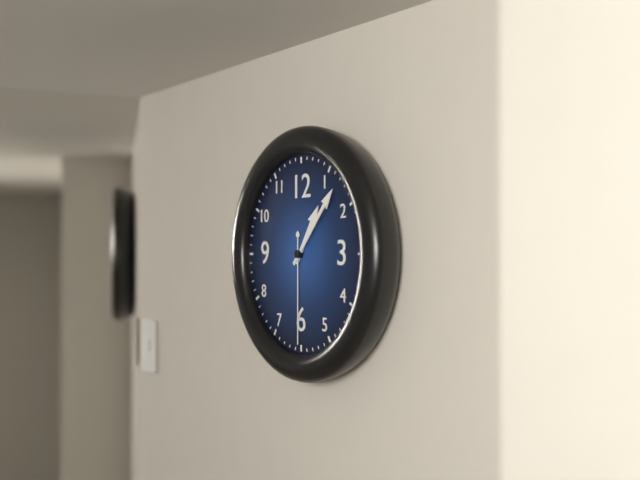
1 h 07 min 30 s
